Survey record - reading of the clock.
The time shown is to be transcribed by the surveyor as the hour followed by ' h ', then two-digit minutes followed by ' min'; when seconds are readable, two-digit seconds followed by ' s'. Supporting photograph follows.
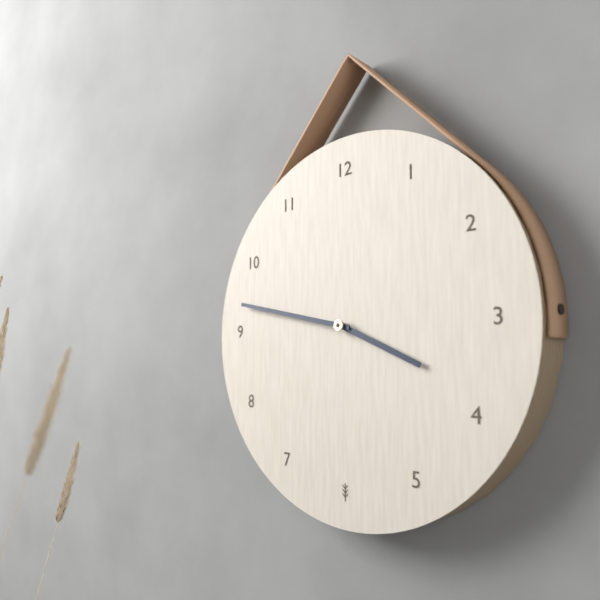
3 h 47 min
